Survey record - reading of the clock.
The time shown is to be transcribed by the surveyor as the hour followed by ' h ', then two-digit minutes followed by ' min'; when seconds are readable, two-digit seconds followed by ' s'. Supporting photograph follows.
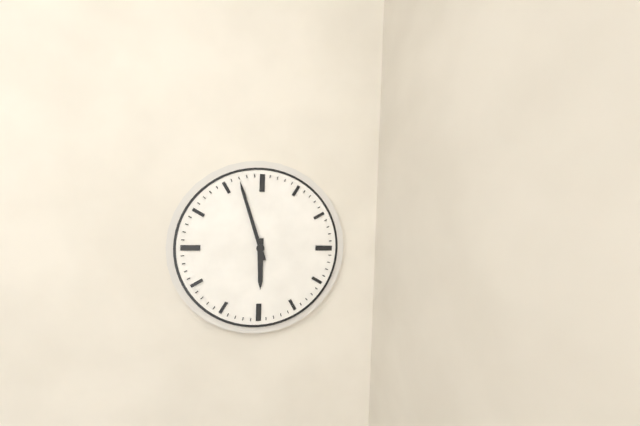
5 h 57 min
